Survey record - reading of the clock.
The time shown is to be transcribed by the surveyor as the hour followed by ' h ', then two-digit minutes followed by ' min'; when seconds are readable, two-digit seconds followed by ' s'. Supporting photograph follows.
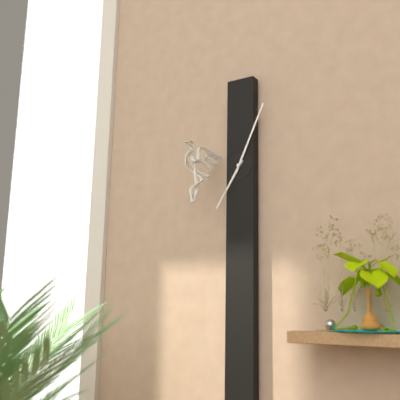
7 h 04 min
